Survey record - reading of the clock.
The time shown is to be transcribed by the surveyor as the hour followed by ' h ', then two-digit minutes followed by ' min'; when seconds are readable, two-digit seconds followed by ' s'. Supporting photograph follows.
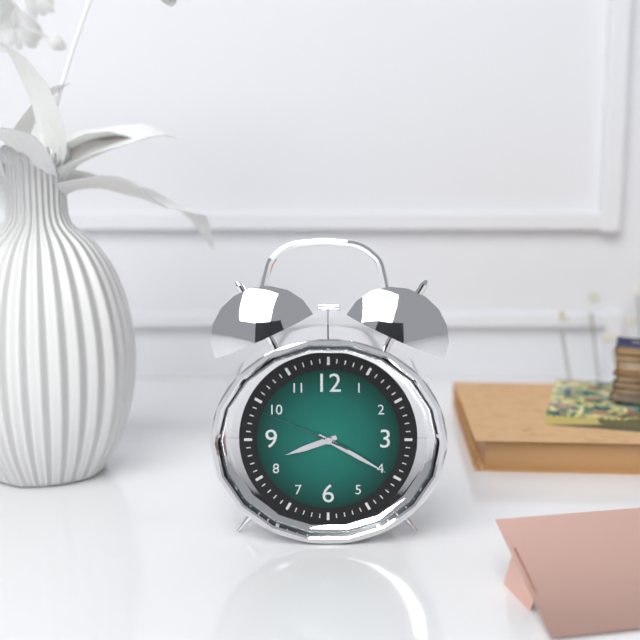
8 h 20 min 49 s
